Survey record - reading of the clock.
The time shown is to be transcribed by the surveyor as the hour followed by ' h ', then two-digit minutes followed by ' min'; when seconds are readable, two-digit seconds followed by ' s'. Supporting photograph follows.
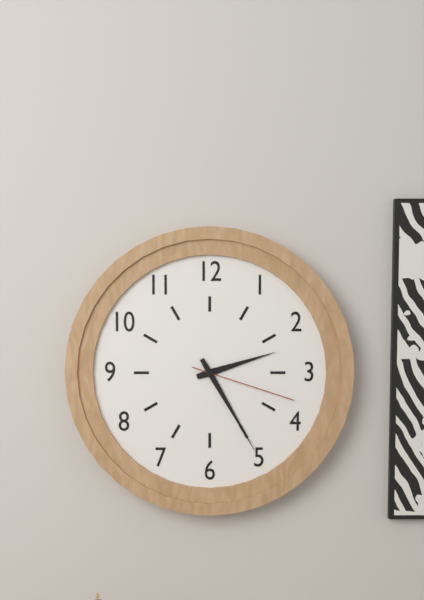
2 h 25 min 18 s
